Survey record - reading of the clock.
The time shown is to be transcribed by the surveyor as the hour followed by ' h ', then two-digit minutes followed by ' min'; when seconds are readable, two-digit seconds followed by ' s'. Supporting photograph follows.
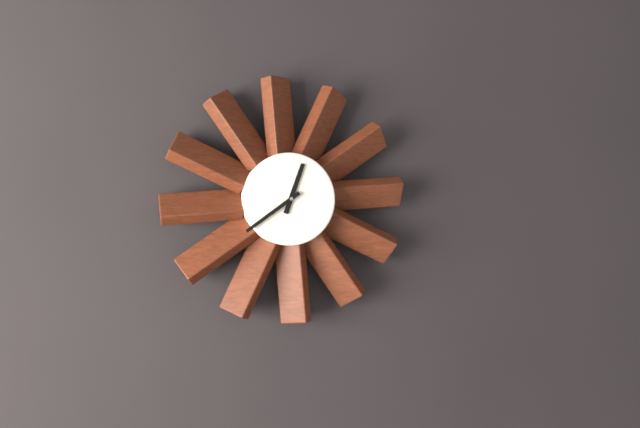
12 h 39 min
